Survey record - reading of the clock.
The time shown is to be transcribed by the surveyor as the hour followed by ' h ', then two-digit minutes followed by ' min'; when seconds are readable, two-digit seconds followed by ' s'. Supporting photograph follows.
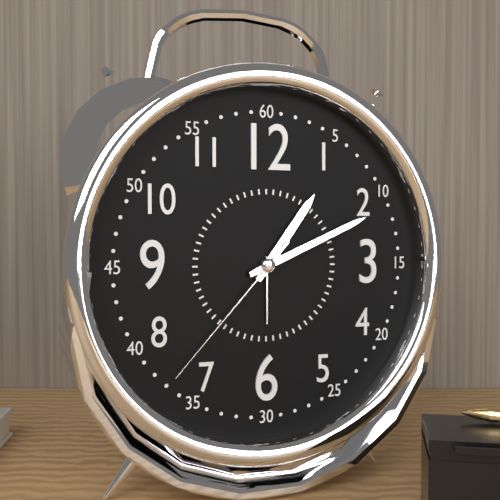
1 h 11 min 37 s
